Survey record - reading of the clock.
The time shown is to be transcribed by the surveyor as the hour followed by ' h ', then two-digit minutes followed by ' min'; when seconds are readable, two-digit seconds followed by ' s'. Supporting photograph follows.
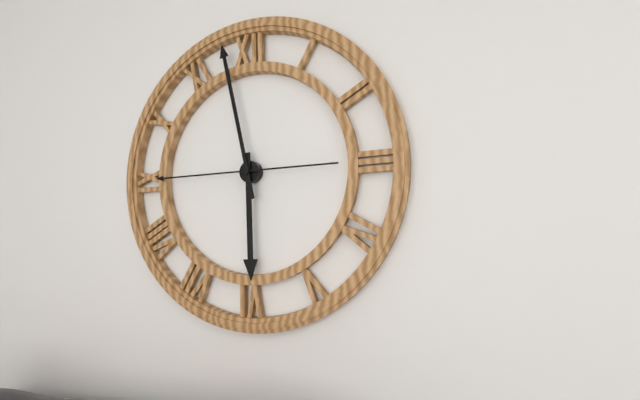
5 h 58 min 45 s
